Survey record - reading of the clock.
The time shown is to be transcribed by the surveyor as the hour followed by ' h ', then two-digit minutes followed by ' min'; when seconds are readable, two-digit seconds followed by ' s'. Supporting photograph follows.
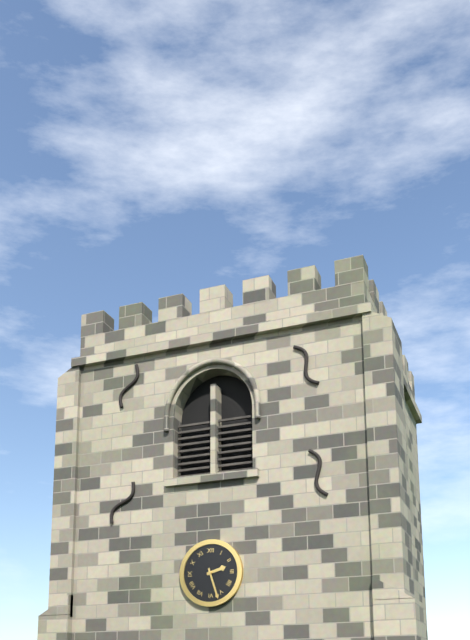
2 h 27 min
